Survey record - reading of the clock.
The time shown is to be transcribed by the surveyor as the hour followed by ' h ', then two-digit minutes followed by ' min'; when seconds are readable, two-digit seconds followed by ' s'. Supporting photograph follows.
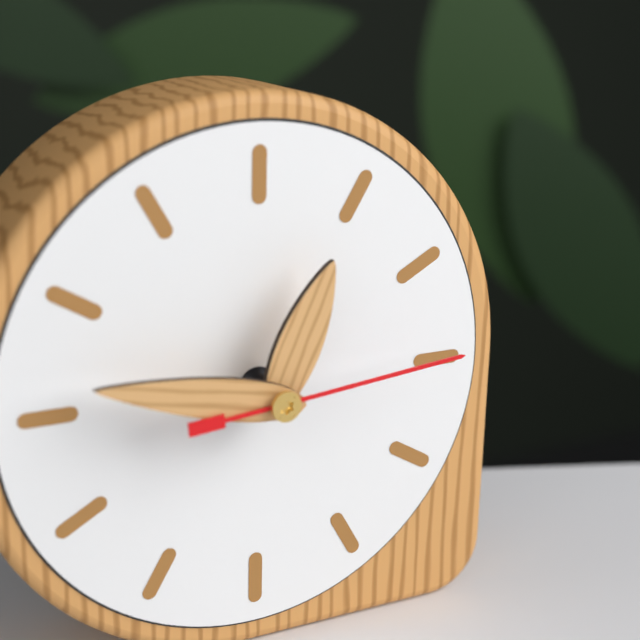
12 h 47 min 14 s
